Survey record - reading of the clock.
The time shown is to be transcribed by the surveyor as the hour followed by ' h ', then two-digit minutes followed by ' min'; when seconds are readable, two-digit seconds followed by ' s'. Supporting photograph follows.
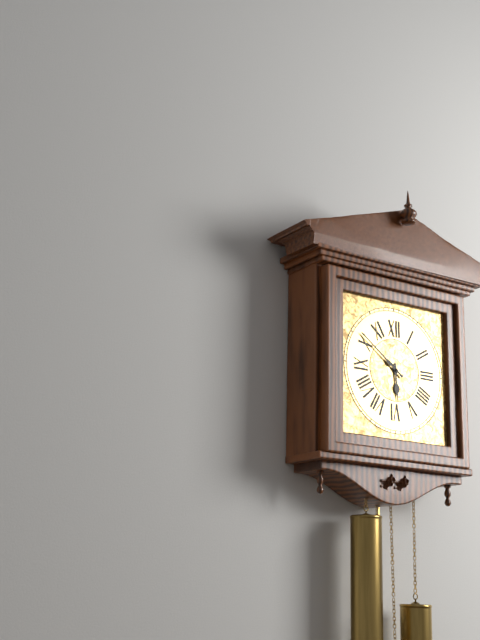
5 h 51 min
